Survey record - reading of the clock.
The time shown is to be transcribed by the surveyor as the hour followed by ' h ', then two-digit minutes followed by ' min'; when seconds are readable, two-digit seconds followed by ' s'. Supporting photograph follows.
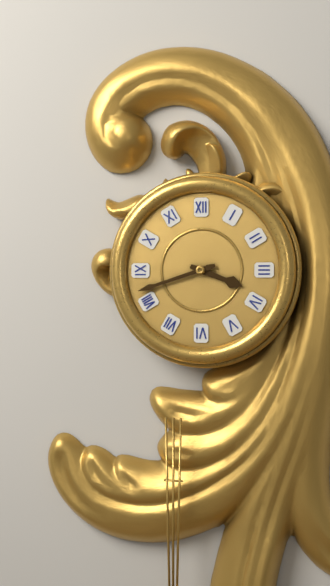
3 h 42 min
